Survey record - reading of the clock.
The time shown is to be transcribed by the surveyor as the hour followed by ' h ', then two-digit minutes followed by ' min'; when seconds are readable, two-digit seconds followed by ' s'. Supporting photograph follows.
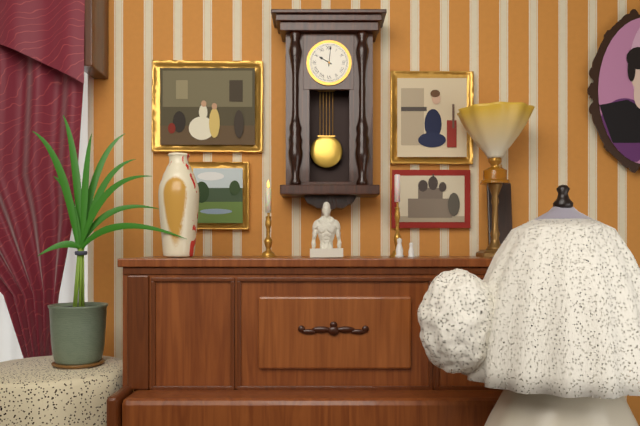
10 h 01 min
